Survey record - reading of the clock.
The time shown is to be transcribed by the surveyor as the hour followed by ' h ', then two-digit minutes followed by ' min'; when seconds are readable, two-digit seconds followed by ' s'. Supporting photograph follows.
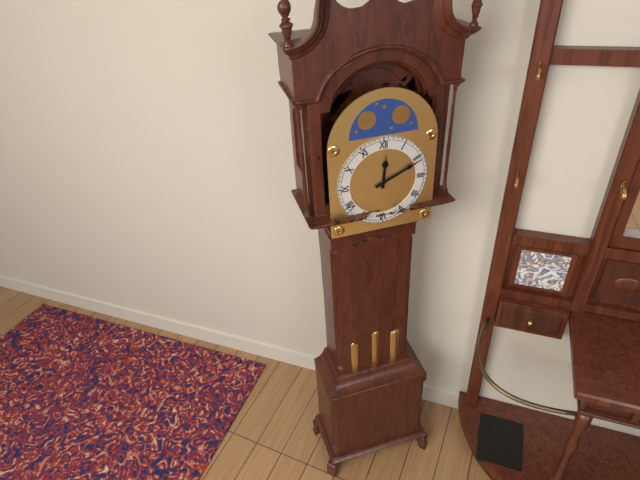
12 h 11 min
